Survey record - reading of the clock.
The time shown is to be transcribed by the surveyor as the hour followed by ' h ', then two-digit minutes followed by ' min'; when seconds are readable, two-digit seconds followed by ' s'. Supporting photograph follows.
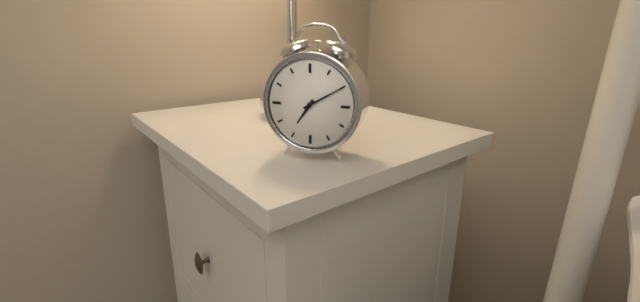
7 h 10 min
